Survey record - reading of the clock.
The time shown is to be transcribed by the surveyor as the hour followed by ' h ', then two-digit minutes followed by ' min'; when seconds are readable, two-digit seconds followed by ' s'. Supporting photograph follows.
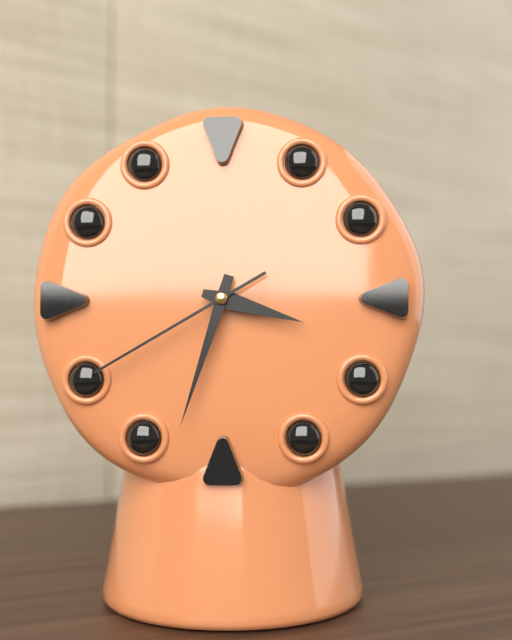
3 h 33 min 40 s
